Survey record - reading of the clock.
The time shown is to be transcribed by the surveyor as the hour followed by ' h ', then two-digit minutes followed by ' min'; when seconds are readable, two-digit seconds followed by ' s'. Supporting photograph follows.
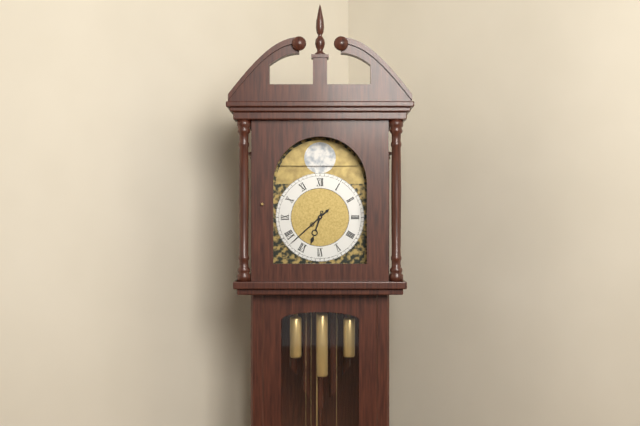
6 h 38 min
